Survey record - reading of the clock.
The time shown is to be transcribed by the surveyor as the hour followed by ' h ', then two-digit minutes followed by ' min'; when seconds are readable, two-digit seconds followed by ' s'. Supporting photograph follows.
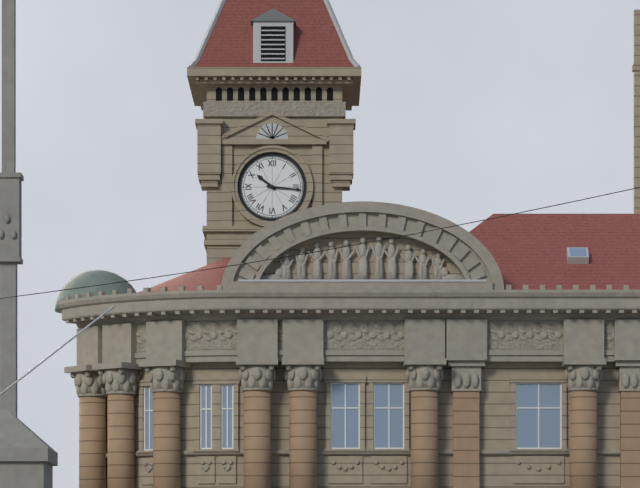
10 h 16 min
